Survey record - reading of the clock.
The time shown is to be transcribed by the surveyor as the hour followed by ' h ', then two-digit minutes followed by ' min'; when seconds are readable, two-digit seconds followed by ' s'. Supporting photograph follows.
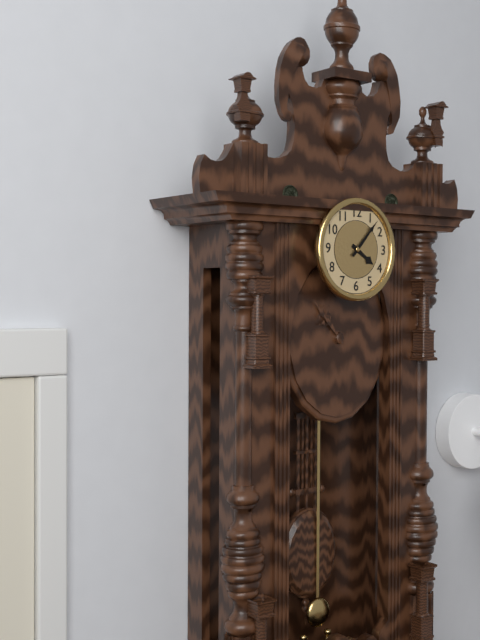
4 h 07 min
